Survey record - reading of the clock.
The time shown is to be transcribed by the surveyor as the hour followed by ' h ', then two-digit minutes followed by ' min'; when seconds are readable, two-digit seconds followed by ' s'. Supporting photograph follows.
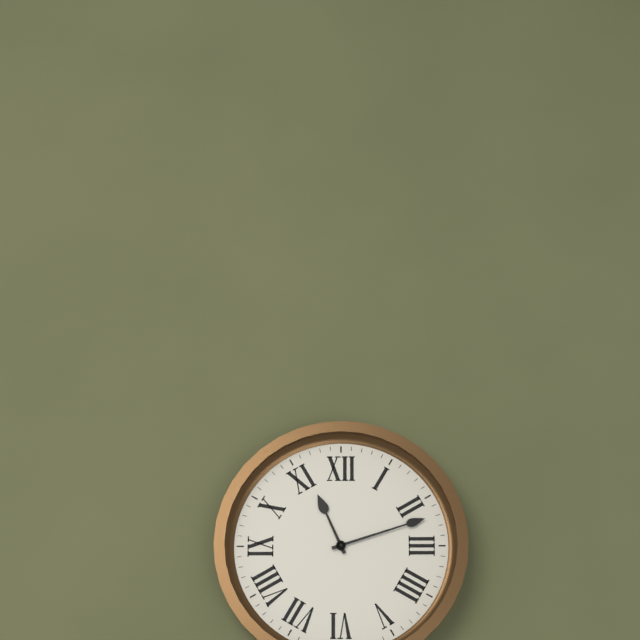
11 h 12 min
